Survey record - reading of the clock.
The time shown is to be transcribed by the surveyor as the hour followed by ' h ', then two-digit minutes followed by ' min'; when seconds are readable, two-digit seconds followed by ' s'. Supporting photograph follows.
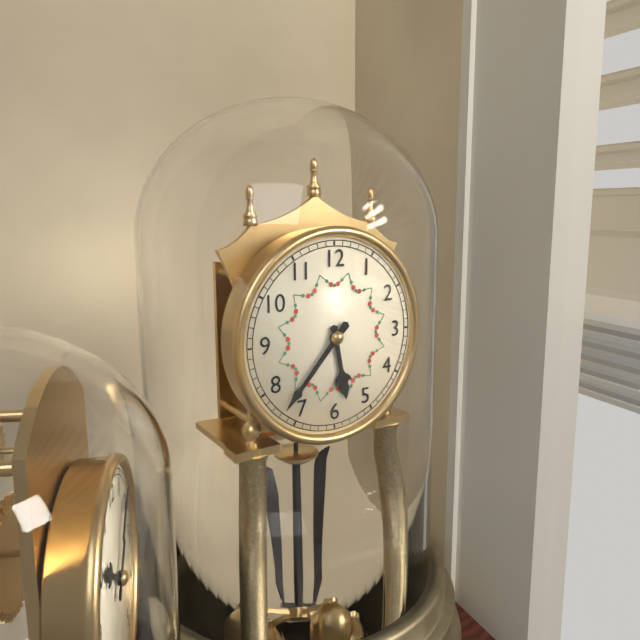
5 h 37 min
